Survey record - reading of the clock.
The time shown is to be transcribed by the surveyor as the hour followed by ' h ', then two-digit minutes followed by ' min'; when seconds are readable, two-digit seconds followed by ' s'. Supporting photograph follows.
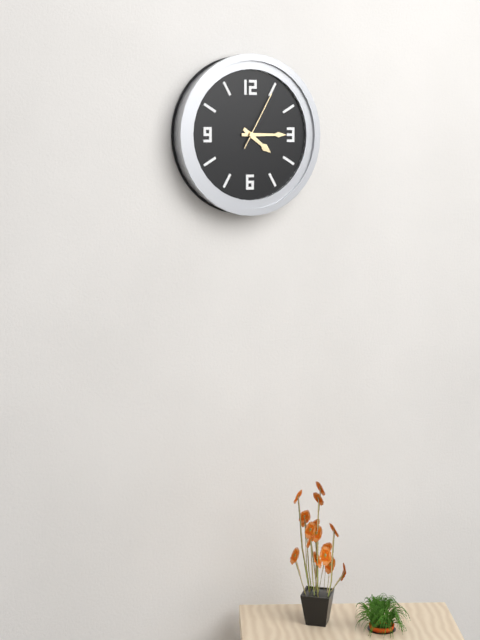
4 h 15 min 05 s
